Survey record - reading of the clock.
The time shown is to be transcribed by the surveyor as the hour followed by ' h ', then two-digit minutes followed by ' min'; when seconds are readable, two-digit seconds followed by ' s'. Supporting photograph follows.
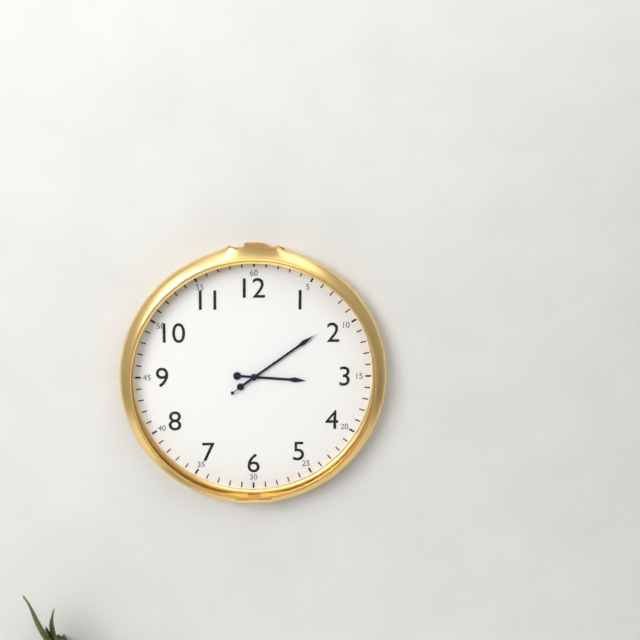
3 h 09 min 09 s
